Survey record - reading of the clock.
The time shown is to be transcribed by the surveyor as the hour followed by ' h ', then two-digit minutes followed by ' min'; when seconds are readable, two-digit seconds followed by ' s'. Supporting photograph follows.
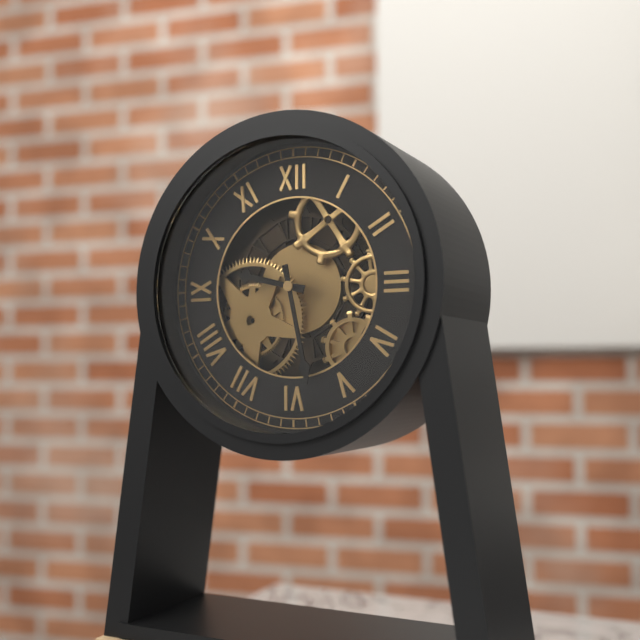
9 h 28 min
